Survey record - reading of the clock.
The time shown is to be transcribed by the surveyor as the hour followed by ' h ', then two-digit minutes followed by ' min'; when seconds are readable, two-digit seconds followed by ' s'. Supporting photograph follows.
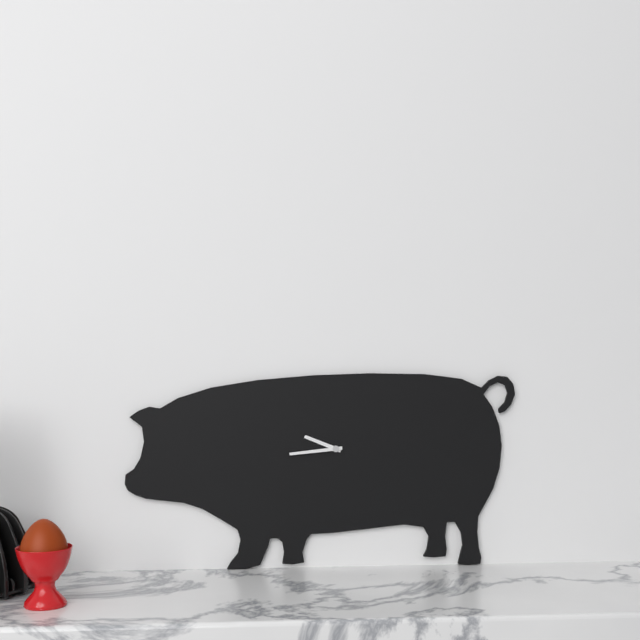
9 h 44 min
